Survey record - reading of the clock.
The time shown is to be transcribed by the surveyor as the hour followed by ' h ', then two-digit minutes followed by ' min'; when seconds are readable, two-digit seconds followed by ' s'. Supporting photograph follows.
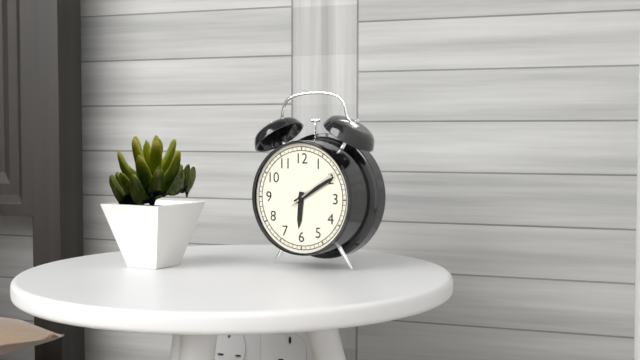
6 h 10 min 09 s
